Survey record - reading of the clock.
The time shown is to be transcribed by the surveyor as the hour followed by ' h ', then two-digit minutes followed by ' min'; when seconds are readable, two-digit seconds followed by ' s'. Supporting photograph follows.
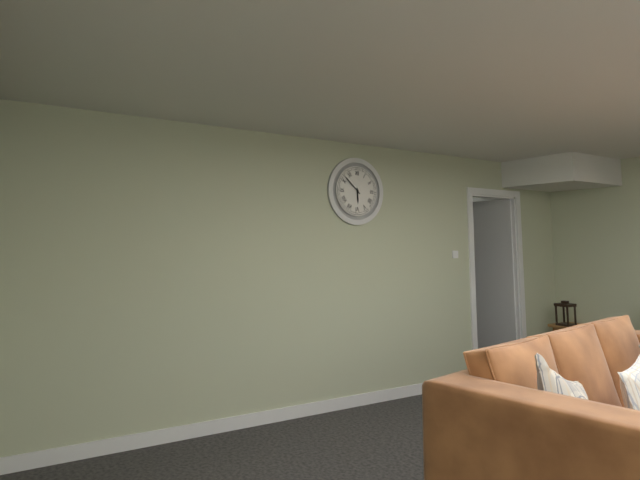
5 h 52 min
